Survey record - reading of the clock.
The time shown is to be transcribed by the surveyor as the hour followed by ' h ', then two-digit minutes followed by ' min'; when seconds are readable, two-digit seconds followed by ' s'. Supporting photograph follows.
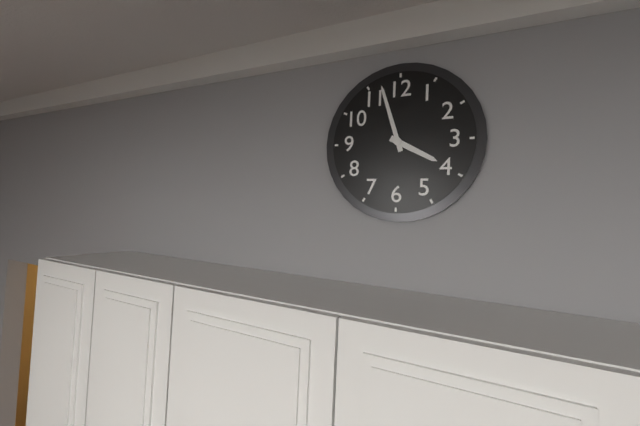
3 h 57 min
